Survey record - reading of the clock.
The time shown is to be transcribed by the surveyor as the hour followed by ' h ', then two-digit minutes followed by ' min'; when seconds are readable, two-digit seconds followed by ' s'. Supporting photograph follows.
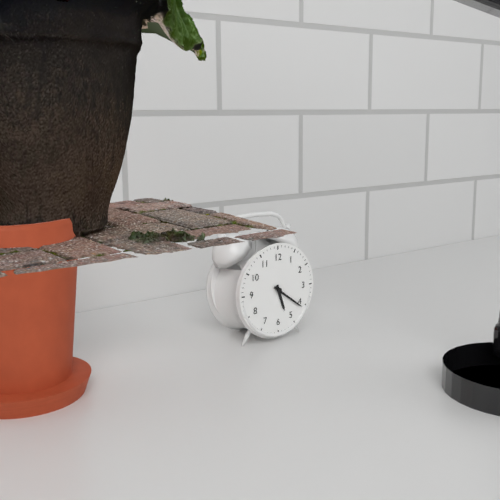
5 h 21 min
